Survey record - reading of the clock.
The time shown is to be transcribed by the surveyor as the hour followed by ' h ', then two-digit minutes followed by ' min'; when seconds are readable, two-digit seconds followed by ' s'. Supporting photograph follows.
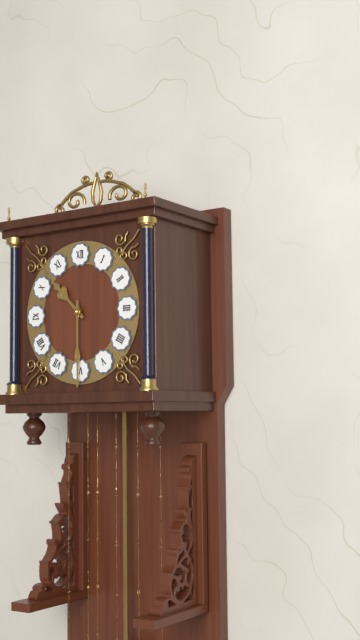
10 h 30 min
